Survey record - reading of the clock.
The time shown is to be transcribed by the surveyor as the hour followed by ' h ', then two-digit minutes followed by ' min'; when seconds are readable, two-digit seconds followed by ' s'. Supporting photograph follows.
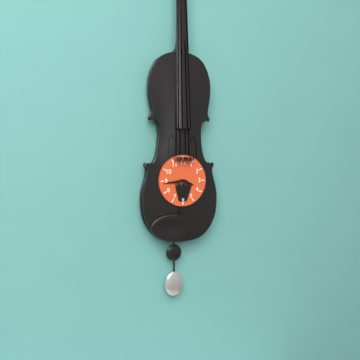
3 h 44 min
